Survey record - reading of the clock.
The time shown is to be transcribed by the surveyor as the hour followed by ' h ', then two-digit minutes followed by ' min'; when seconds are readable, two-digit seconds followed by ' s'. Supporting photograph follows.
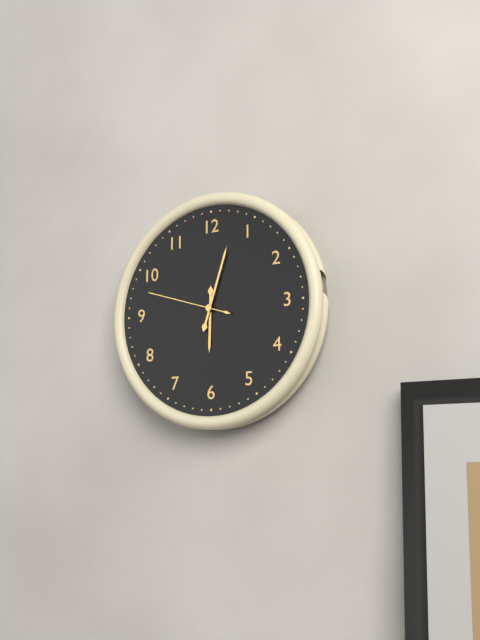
6 h 03 min 48 s
